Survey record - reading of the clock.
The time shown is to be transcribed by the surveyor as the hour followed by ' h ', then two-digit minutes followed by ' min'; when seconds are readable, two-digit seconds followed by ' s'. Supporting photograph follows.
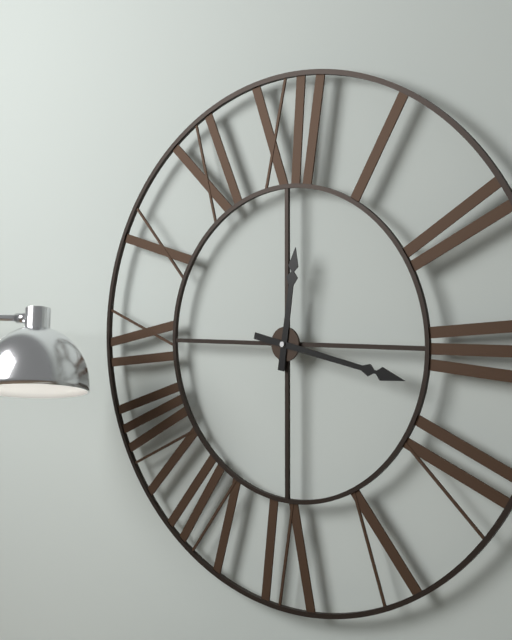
12 h 17 min
